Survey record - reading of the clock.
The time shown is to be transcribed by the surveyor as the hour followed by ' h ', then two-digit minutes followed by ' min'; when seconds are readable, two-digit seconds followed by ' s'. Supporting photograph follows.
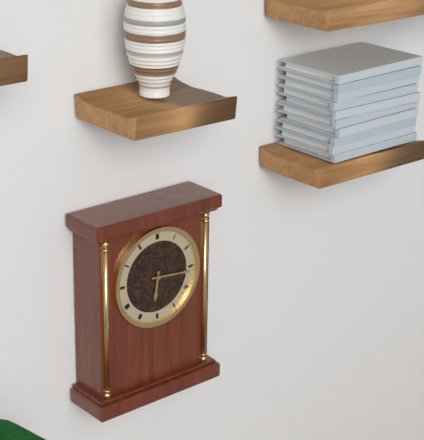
6 h 16 min
